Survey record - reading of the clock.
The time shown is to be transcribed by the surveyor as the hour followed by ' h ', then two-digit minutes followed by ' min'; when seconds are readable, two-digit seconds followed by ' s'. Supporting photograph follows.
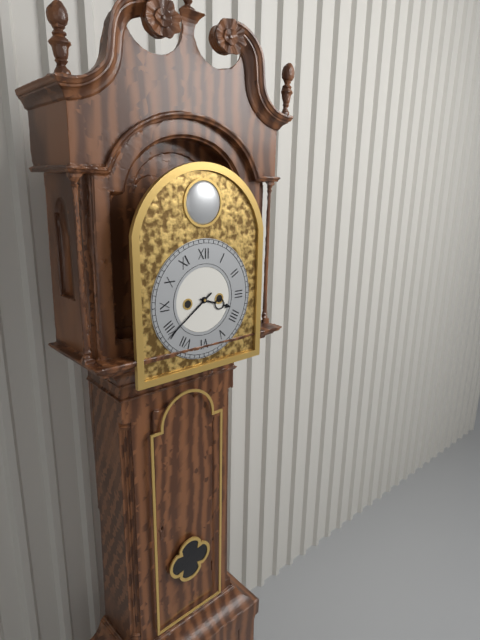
3 h 39 min
